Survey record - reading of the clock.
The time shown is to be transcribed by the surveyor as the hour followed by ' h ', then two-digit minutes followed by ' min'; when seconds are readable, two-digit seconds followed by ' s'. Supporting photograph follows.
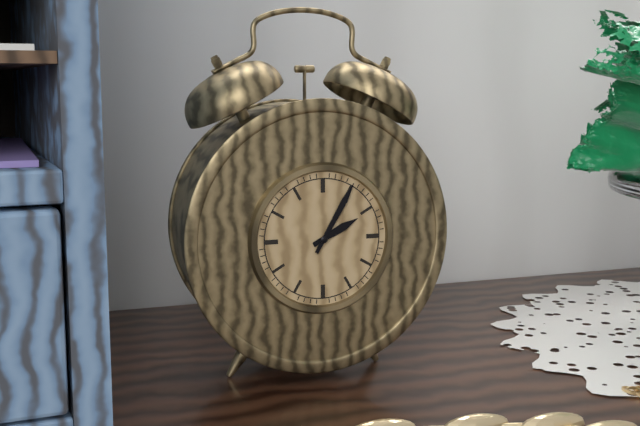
2 h 05 min
